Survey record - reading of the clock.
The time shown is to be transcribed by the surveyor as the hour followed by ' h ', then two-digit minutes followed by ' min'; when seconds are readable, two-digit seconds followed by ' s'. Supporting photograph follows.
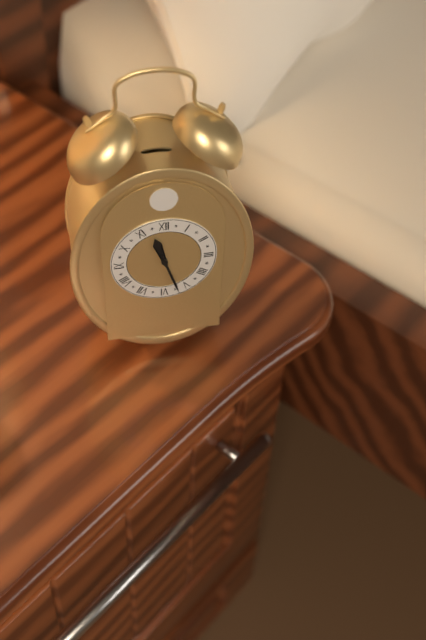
11 h 27 min
